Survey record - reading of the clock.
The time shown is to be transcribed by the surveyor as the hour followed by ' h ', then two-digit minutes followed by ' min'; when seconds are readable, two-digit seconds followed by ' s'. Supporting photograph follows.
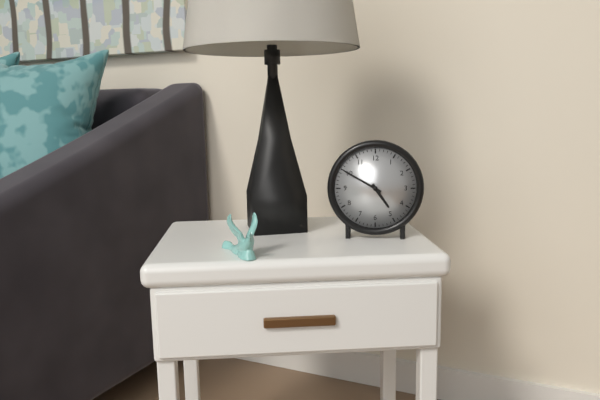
4 h 50 min
